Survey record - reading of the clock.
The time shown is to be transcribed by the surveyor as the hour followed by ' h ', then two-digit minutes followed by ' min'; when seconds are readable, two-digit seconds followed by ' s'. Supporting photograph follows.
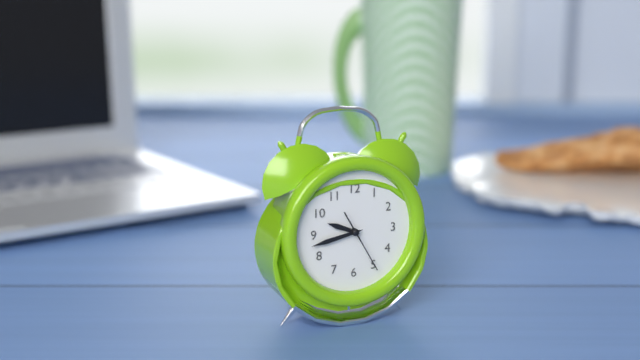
9 h 43 min 25 s
